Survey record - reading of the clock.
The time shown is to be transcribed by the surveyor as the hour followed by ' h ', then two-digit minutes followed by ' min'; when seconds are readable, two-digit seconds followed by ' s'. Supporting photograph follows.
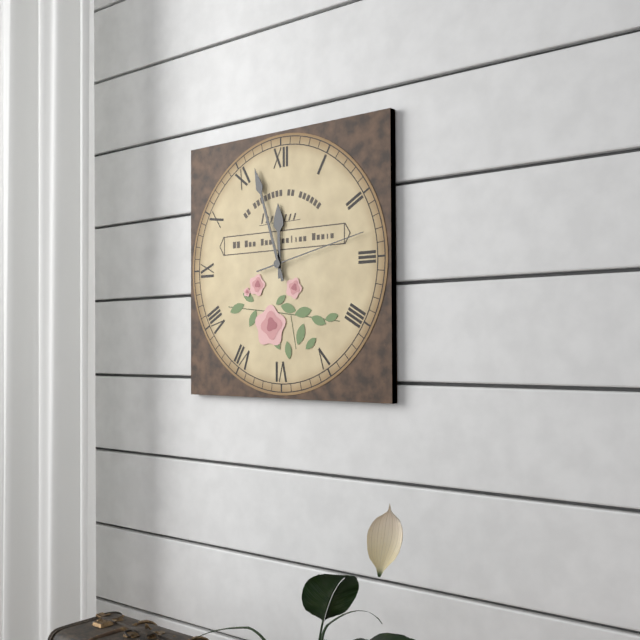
11 h 57 min 13 s
